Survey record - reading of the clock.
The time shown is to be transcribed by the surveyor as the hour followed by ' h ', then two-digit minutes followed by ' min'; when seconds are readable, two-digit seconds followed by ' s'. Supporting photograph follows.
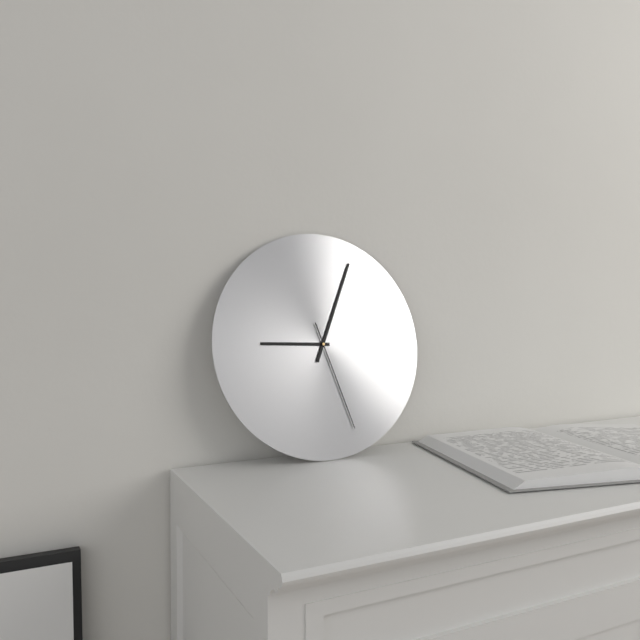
9 h 04 min 27 s
